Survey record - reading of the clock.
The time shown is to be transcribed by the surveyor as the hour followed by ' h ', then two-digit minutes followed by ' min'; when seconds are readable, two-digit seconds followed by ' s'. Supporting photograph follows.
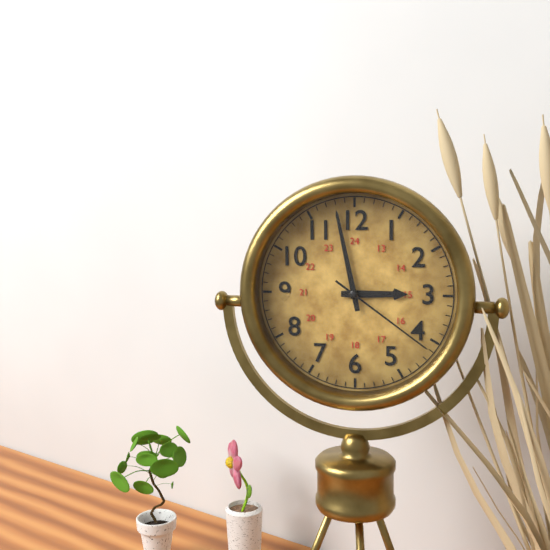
2 h 58 min 21 s
